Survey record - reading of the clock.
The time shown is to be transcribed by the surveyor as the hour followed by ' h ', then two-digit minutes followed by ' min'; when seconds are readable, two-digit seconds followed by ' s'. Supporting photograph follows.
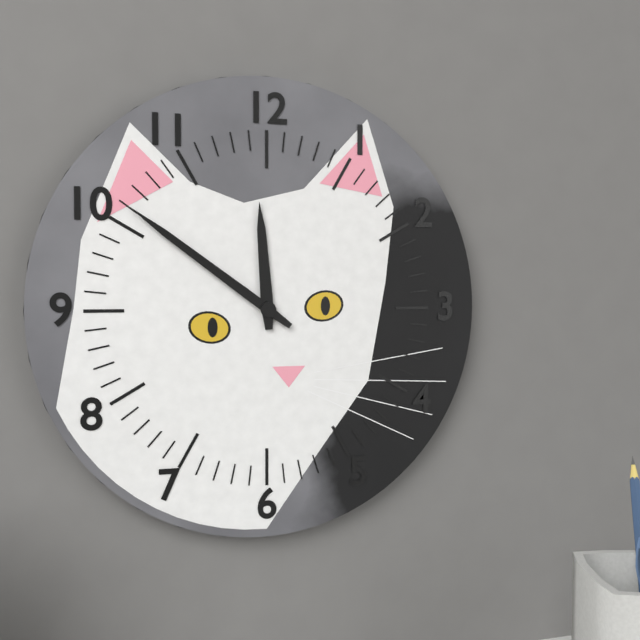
11 h 51 min
